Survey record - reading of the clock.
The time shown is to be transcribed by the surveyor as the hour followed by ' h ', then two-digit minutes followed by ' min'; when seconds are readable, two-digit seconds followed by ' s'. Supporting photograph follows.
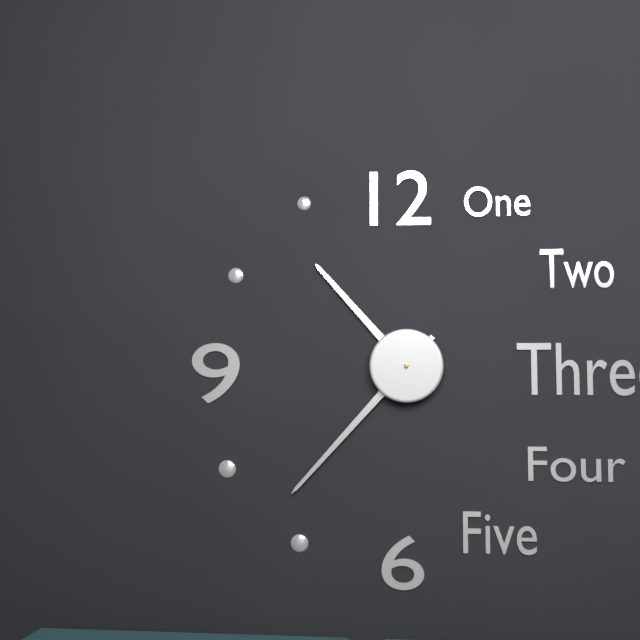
10 h 37 min
